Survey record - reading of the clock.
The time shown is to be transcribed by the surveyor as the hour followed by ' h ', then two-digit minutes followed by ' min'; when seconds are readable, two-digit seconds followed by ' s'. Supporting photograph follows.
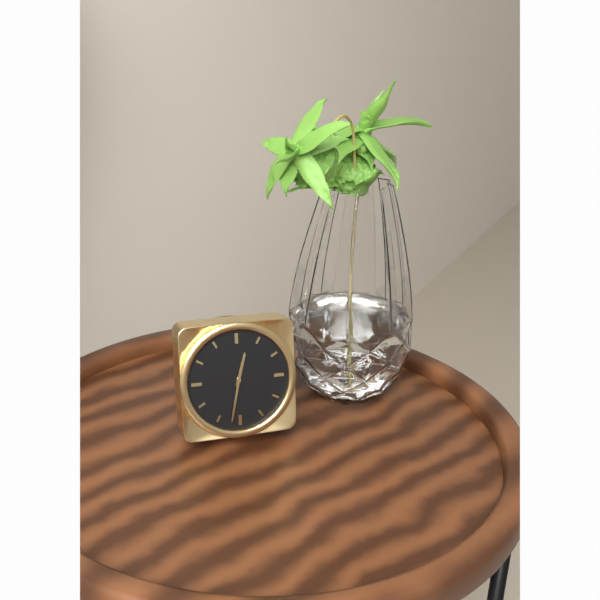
12 h 32 min
